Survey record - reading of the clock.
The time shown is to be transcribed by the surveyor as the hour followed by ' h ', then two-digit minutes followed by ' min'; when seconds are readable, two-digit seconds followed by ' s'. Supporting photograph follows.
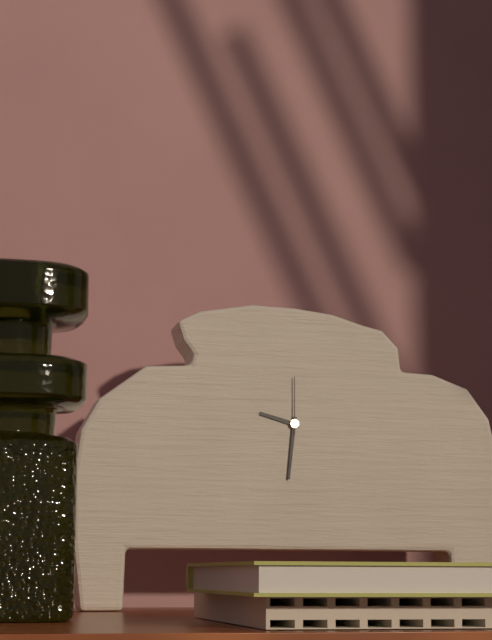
9 h 31 min 00 s
